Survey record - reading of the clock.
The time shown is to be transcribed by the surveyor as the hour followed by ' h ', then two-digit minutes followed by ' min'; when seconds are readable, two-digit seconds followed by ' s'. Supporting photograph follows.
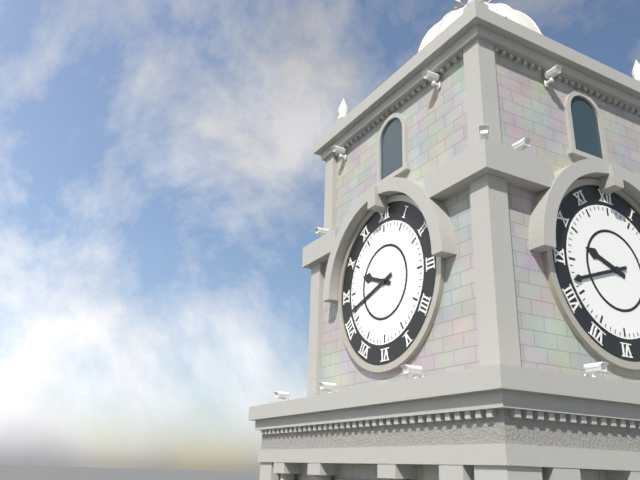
9 h 42 min
